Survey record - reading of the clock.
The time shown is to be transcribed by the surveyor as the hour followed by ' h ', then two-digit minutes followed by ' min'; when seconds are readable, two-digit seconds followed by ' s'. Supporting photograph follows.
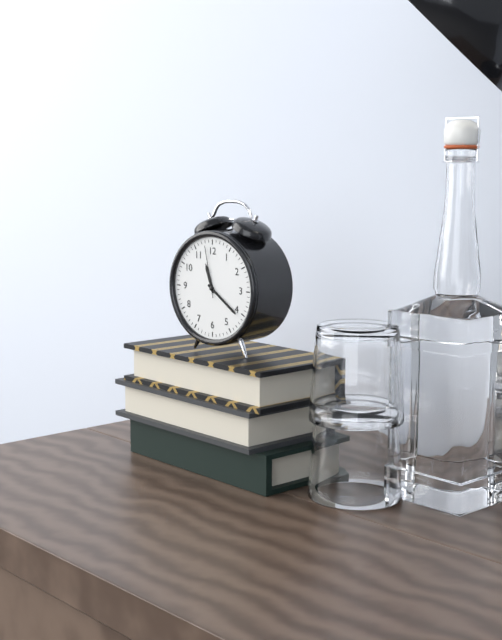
11 h 21 min 58 s
